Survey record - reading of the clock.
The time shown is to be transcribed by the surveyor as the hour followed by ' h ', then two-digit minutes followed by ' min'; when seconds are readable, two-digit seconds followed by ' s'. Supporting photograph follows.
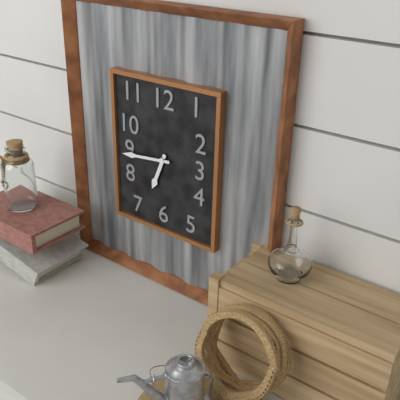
6 h 44 min
